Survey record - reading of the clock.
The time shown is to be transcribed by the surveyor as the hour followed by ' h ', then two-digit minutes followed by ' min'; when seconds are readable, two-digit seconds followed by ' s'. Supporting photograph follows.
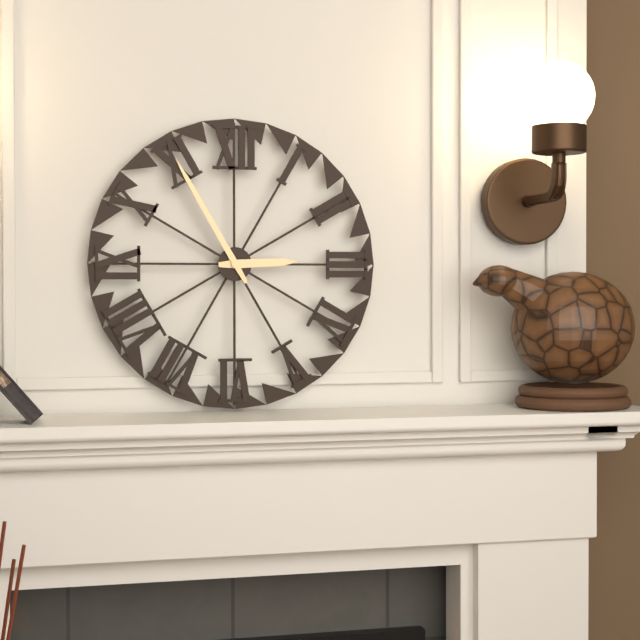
2 h 55 min
